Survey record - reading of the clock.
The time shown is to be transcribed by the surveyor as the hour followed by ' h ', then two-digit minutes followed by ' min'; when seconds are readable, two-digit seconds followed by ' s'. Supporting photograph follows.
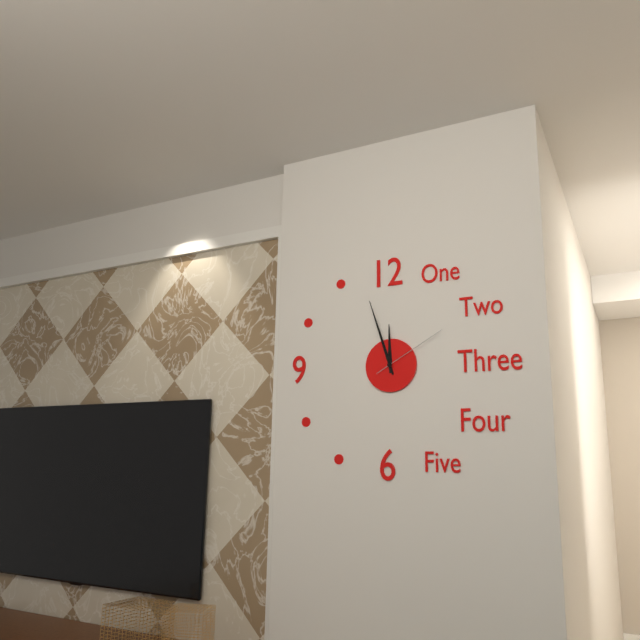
11 h 57 min 10 s
